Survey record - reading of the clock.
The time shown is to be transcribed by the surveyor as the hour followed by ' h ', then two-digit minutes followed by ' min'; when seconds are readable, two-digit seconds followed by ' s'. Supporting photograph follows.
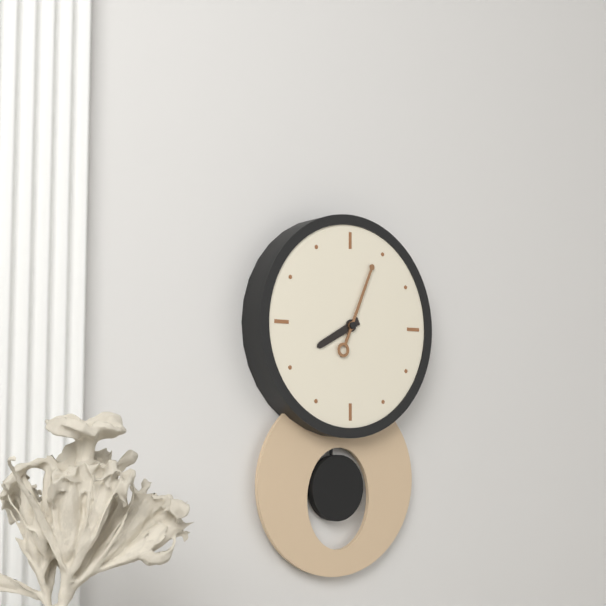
8 h 04 min
